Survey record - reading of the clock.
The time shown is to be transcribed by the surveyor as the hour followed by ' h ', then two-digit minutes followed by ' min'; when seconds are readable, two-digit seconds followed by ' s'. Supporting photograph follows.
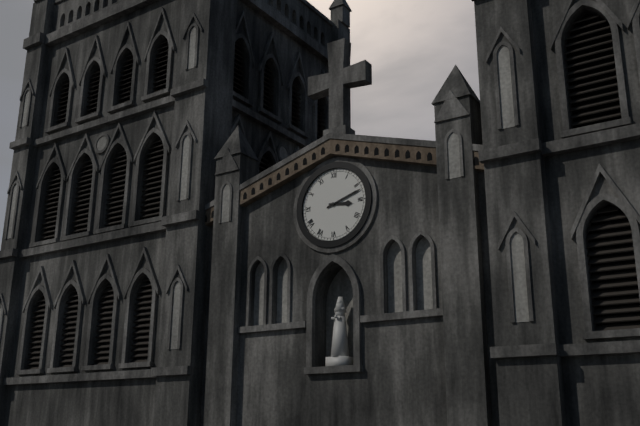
3 h 12 min
